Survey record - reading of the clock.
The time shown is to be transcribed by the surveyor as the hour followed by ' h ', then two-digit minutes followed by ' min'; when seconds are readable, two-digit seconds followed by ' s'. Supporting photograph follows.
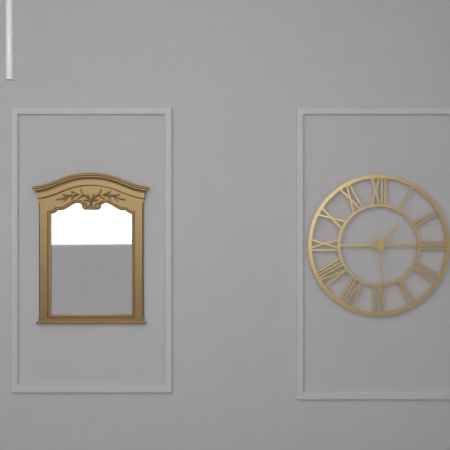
1 h 29 min
